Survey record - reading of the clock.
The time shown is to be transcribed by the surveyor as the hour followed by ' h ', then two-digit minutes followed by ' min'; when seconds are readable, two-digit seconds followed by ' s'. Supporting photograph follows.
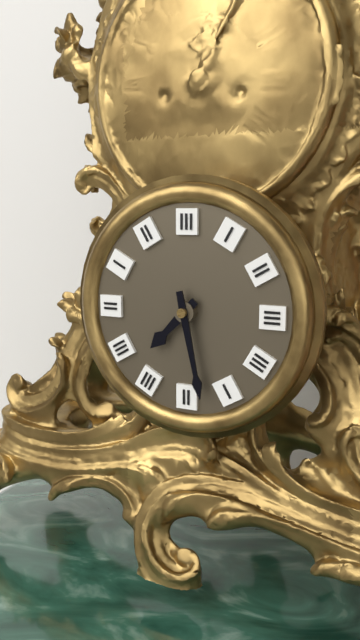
7 h 28 min
